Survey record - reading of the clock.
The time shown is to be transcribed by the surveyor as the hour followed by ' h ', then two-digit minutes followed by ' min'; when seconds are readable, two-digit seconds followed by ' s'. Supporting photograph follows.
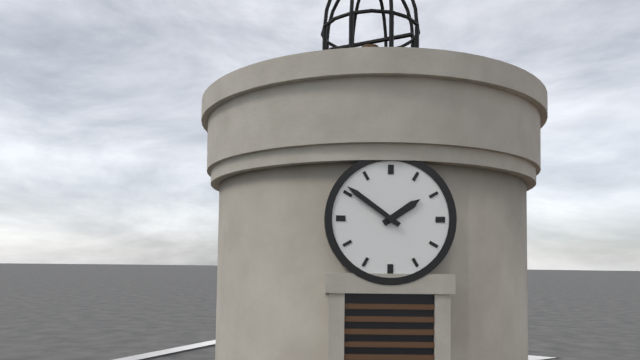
1 h 51 min
